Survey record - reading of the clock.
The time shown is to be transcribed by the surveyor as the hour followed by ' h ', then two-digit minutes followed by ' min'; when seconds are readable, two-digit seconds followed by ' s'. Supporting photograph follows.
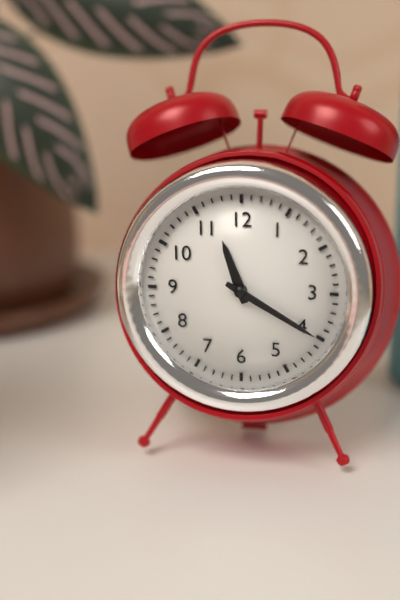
11 h 20 min
